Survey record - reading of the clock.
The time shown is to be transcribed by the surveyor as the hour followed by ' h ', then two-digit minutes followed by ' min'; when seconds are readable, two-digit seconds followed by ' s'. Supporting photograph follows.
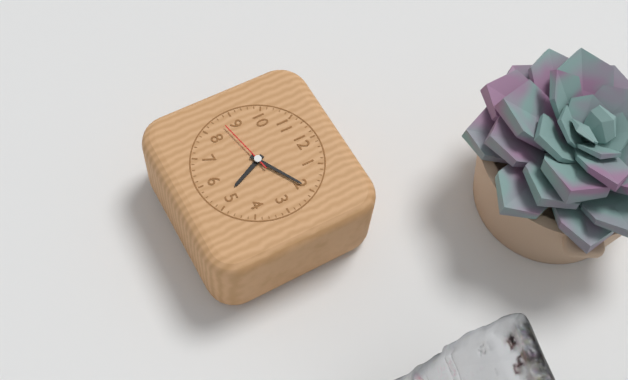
5 h 10 min 43 s
